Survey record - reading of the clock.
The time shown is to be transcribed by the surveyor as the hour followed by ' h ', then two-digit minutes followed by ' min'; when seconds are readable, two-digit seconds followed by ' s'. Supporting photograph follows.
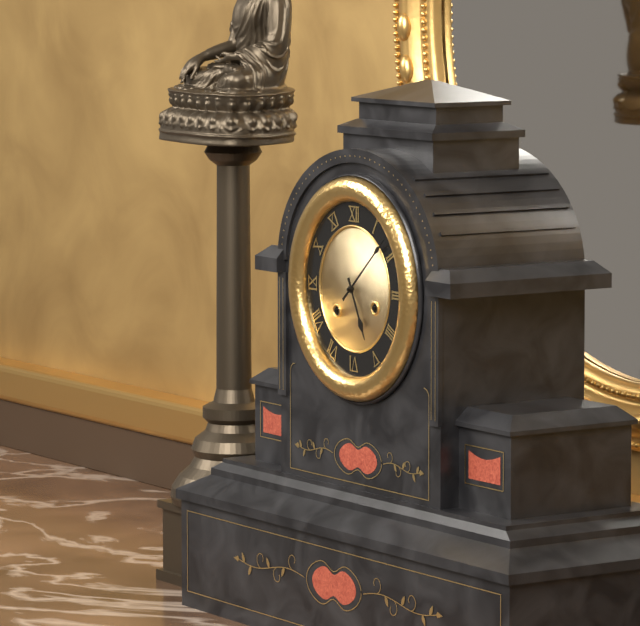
5 h 08 min
